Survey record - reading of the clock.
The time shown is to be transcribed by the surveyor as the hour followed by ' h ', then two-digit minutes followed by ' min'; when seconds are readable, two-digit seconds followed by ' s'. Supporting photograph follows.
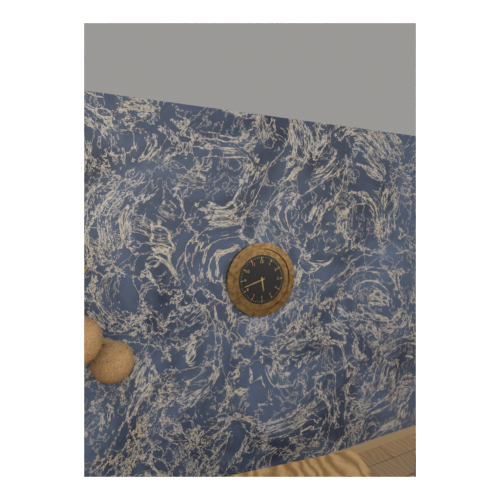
5 h 42 min
